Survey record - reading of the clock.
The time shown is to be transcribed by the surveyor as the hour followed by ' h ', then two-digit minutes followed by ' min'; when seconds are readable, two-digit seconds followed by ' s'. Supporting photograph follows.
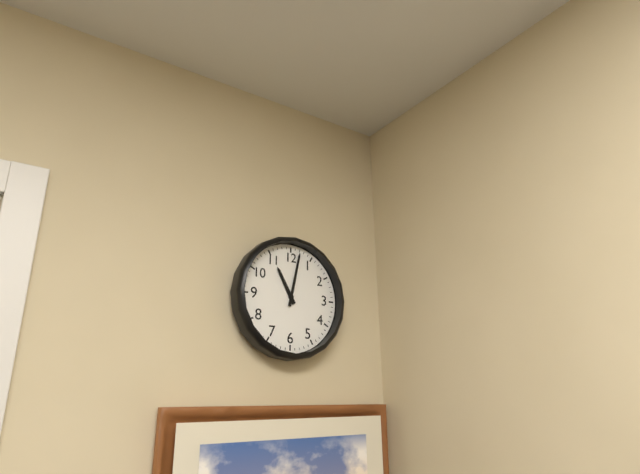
11 h 02 min
